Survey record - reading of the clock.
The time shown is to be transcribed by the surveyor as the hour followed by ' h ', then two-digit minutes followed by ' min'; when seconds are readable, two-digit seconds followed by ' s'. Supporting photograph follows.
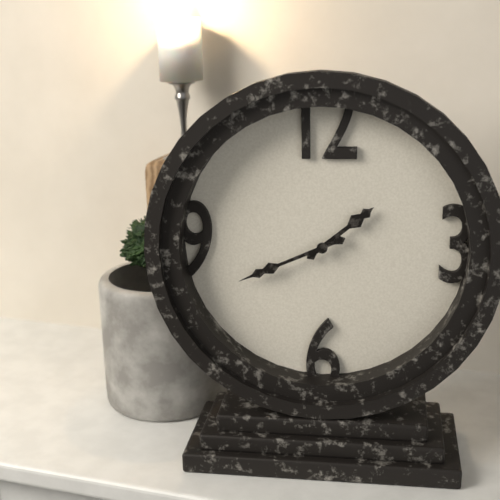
1 h 41 min
